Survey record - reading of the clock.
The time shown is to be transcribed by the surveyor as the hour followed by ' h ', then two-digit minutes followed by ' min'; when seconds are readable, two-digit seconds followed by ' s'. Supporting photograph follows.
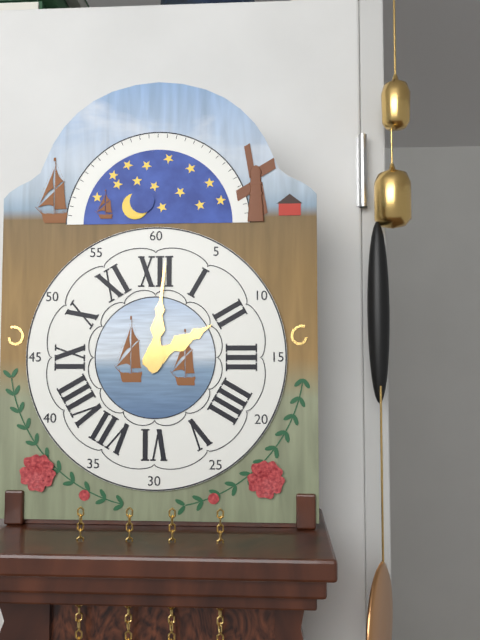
2 h 01 min
